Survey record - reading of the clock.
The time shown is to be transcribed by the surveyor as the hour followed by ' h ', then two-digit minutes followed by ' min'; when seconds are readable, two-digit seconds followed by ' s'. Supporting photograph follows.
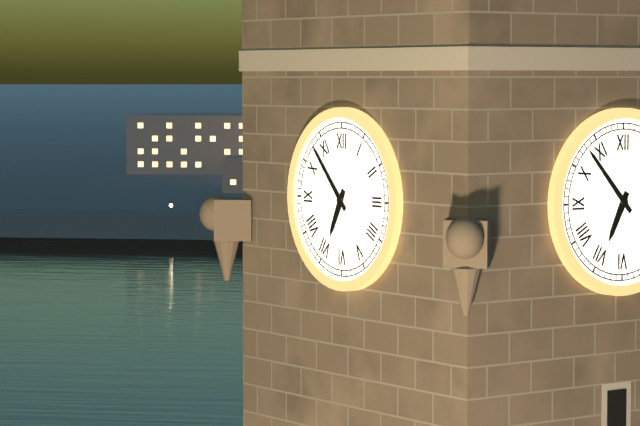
6 h 53 min
